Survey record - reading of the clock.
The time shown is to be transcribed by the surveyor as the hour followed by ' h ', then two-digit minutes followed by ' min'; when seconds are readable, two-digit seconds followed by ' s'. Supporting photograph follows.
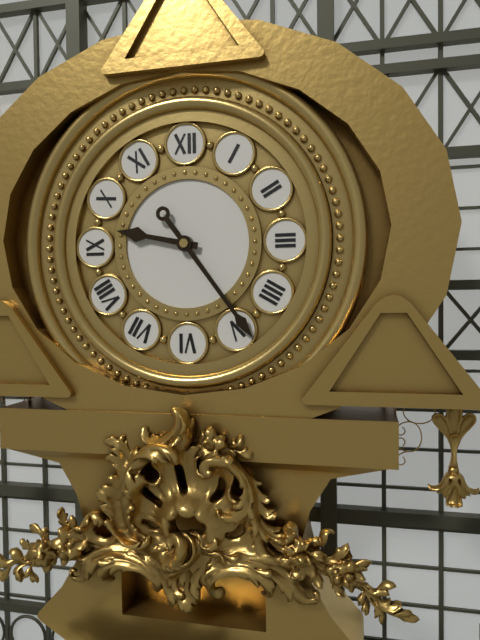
9 h 24 min
